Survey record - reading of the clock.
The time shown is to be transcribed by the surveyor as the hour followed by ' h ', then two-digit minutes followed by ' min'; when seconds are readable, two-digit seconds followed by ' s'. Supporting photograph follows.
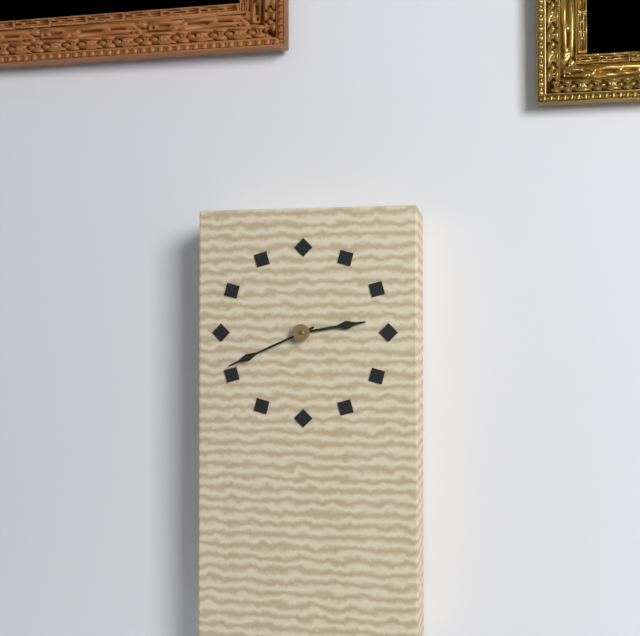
2 h 41 min
